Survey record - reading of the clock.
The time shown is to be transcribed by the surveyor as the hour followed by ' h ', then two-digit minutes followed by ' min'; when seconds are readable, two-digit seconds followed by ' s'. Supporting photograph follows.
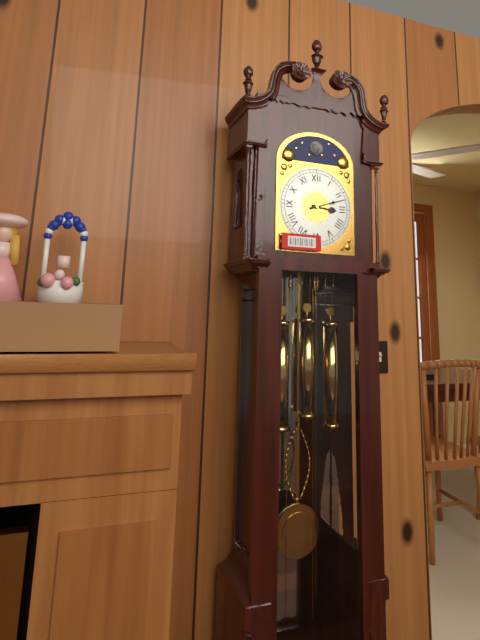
3 h 12 min
